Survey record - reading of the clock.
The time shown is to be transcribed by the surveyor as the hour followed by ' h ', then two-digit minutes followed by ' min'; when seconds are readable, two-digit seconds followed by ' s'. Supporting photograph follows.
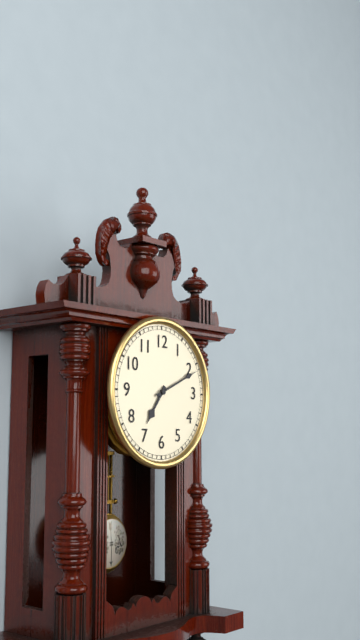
7 h 11 min
